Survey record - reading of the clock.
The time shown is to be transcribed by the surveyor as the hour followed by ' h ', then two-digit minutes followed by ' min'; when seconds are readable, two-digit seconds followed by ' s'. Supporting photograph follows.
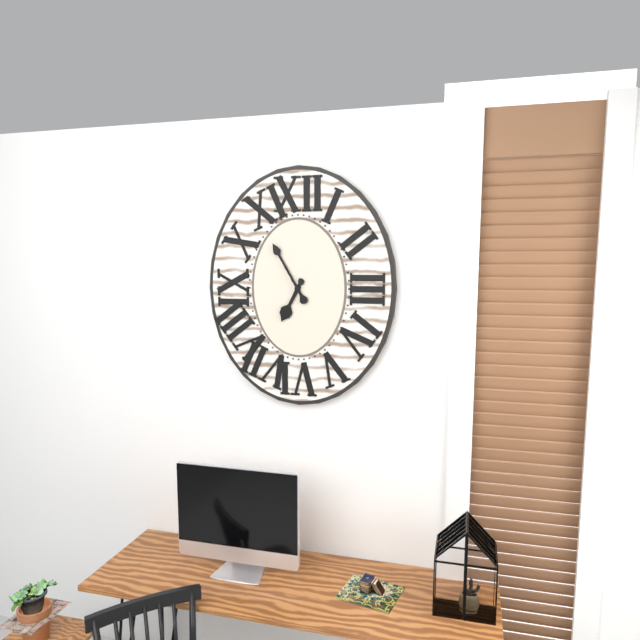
6 h 55 min
